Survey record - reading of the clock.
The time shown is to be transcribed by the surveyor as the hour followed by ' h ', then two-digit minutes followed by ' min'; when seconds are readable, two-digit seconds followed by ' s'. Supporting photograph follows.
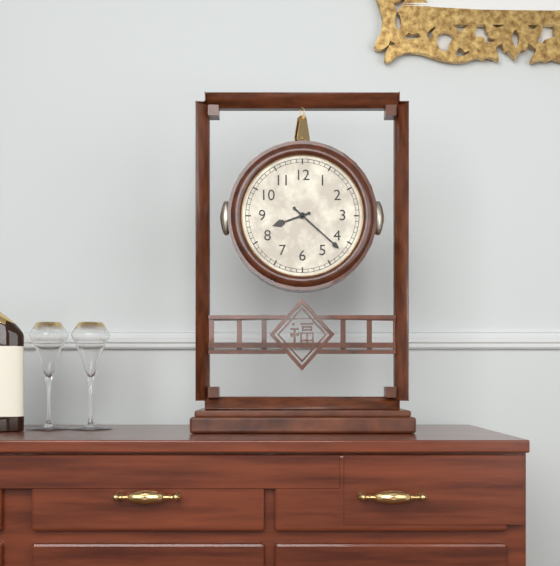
8 h 22 min
